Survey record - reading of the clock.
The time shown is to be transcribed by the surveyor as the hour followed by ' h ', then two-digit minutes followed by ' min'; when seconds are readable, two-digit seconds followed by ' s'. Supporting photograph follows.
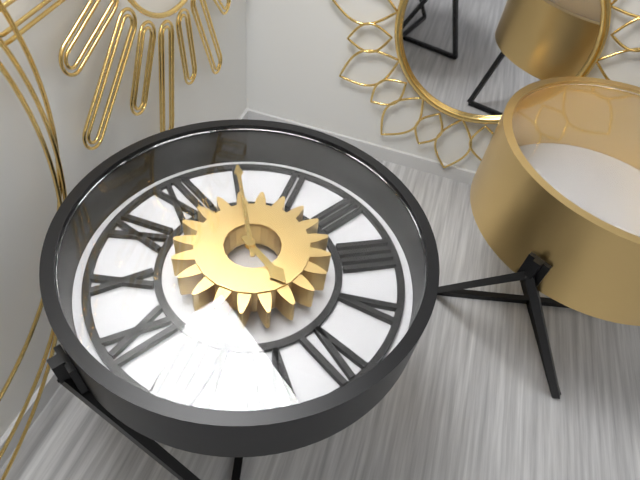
6 h 05 min
